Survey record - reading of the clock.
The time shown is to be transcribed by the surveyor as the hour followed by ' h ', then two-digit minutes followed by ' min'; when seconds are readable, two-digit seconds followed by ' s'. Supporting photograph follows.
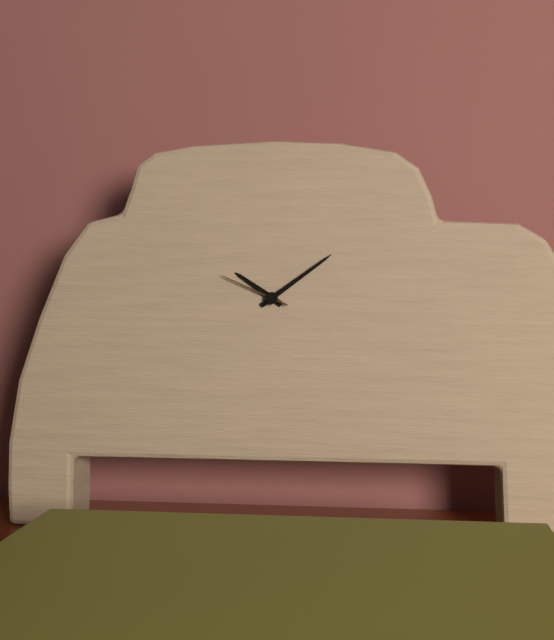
10 h 09 min 49 s
